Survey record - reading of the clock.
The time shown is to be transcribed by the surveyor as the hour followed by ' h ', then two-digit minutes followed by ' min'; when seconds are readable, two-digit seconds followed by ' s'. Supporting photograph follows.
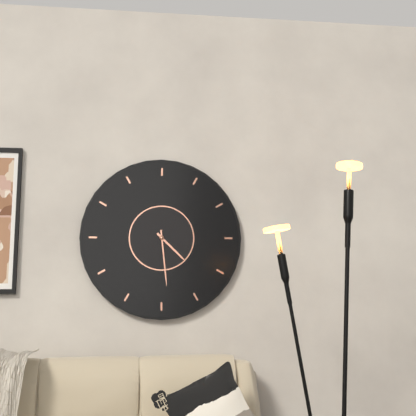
4 h 29 min
